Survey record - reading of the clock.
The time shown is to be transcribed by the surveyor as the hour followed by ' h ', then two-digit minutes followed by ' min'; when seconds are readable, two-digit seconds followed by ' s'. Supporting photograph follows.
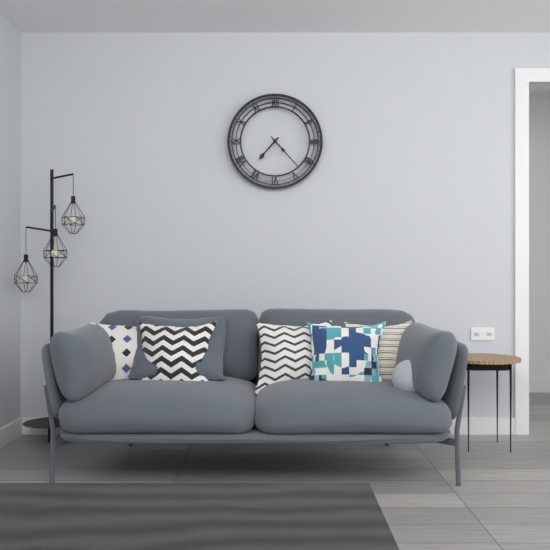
7 h 23 min
